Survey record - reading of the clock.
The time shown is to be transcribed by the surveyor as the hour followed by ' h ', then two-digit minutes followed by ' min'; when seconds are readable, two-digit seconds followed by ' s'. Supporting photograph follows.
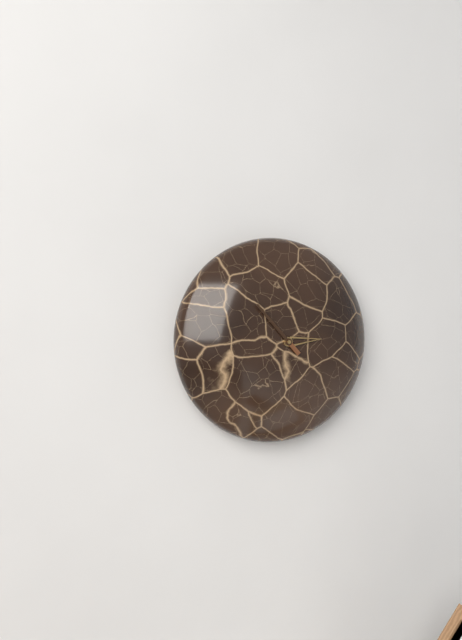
2 h 53 min
